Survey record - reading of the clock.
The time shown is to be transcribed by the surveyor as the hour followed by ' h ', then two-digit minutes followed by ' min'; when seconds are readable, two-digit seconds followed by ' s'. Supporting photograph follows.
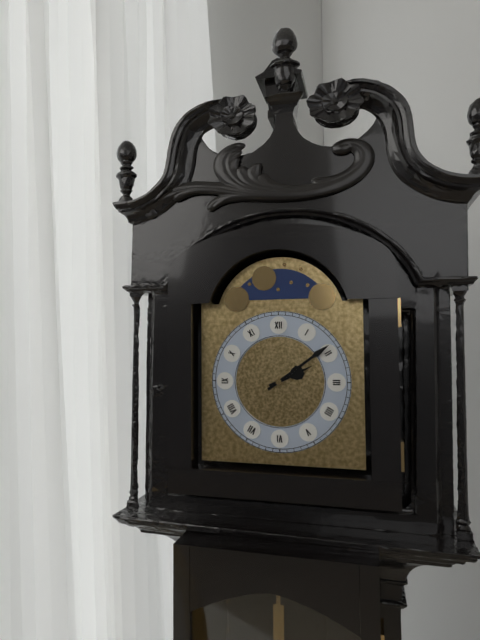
2 h 09 min
